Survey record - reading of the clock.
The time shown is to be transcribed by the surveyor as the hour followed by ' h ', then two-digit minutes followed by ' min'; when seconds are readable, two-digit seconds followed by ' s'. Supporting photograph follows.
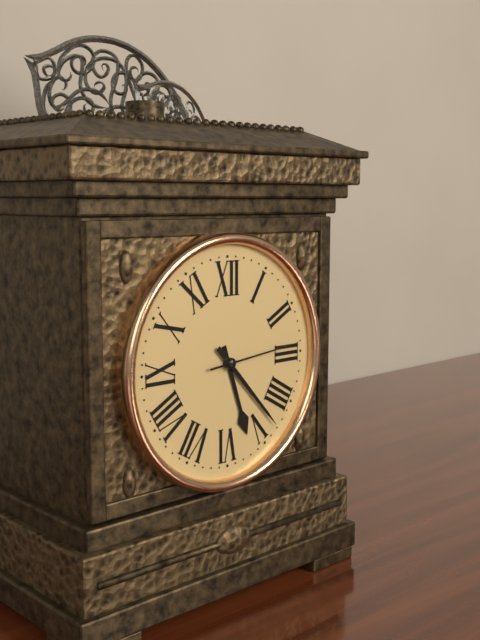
5 h 23 min 14 s
